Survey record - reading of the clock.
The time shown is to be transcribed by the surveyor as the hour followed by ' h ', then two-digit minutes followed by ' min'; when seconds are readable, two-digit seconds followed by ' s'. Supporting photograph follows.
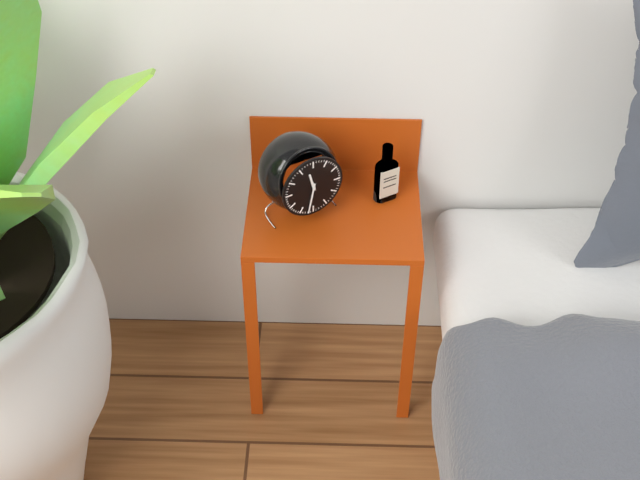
11 h 32 min
